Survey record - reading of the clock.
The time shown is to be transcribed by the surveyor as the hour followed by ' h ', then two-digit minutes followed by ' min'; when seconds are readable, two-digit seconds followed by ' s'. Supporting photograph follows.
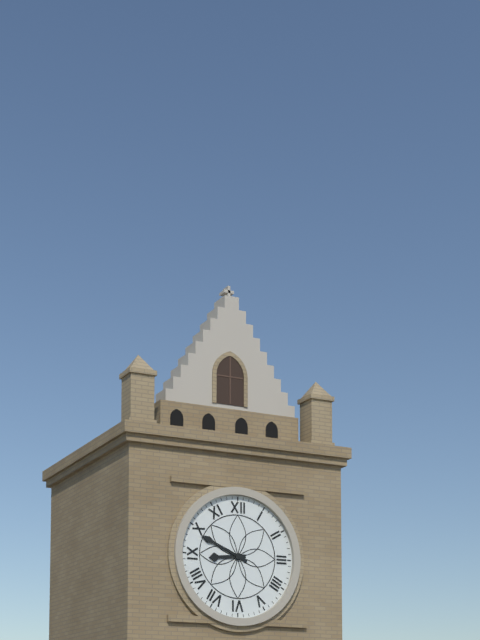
8 h 49 min
